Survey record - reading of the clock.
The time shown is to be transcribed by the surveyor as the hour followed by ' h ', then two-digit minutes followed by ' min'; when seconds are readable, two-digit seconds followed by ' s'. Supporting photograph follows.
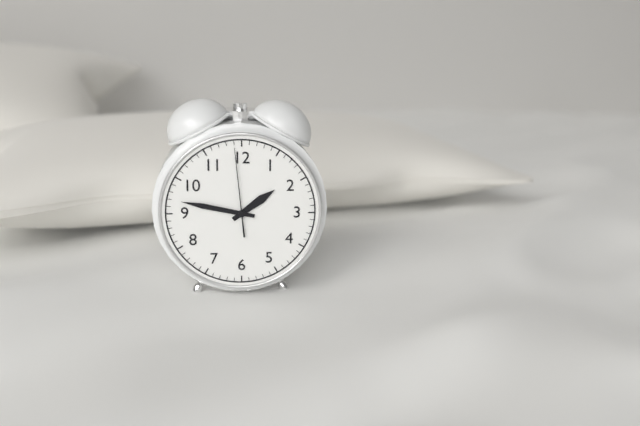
1 h 47 min 59 s
